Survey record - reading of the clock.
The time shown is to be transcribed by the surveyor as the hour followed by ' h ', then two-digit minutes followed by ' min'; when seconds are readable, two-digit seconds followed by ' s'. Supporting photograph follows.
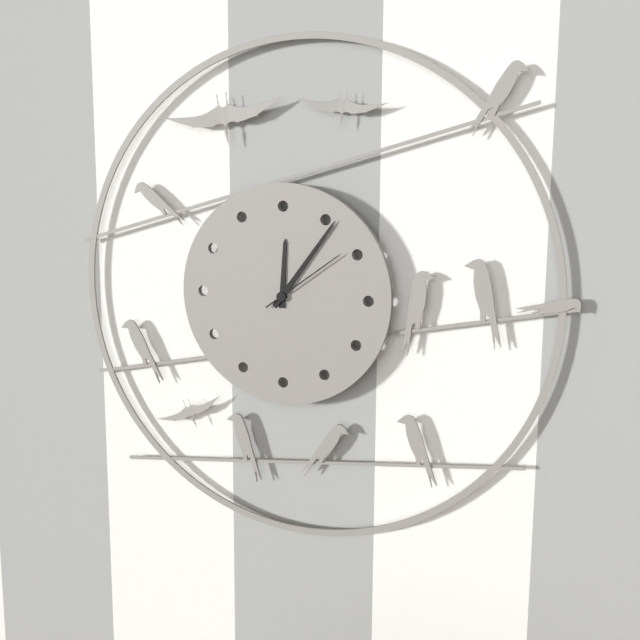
12 h 06 min 09 s
